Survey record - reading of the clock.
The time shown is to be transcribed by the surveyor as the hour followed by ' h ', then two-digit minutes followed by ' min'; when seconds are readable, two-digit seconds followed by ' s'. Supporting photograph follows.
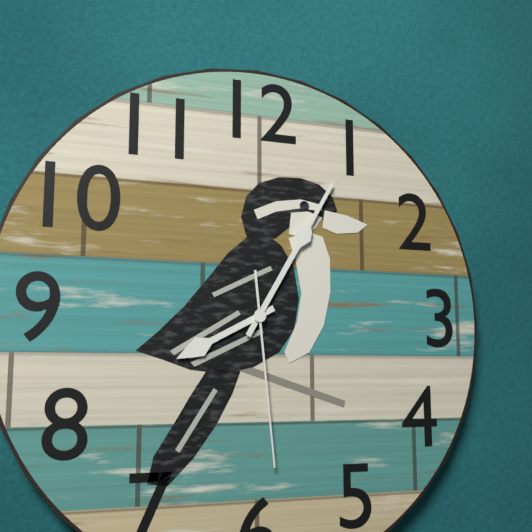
8 h 05 min 29 s
